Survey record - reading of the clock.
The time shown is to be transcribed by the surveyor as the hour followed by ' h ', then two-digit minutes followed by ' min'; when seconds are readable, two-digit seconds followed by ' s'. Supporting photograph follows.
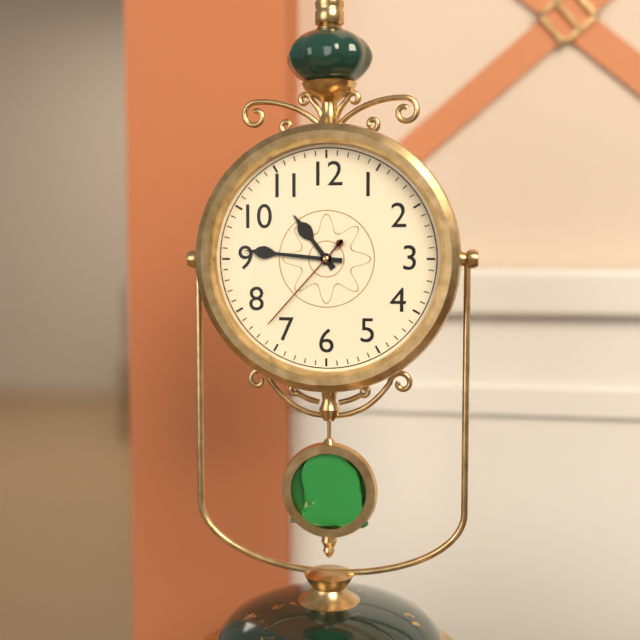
10 h 46 min 37 s
